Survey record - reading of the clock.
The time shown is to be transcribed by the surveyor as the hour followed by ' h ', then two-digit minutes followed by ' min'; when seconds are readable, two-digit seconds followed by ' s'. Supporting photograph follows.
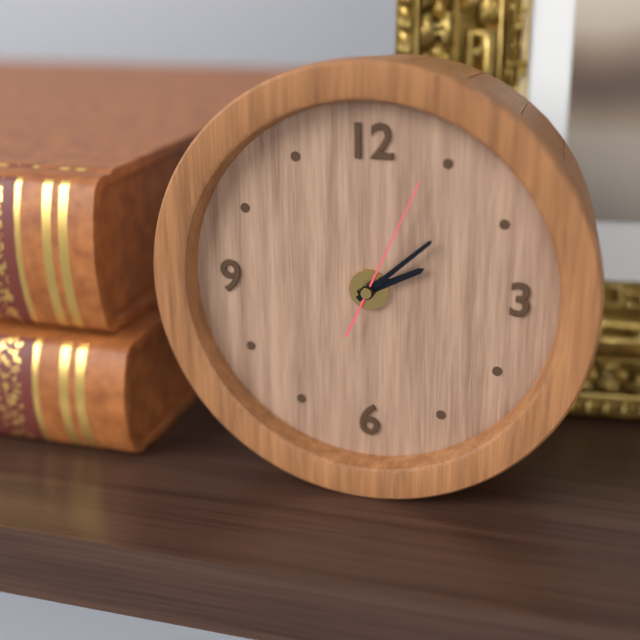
2 h 08 min 04 s
